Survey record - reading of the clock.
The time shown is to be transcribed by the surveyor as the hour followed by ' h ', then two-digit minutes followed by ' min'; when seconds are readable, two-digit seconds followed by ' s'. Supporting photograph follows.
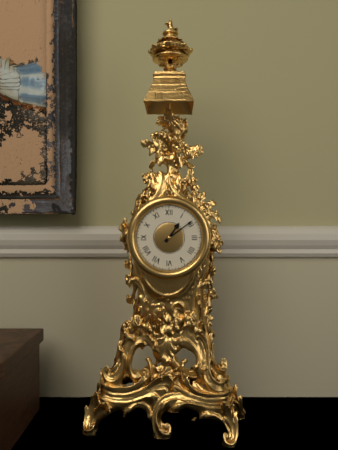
1 h 09 min
